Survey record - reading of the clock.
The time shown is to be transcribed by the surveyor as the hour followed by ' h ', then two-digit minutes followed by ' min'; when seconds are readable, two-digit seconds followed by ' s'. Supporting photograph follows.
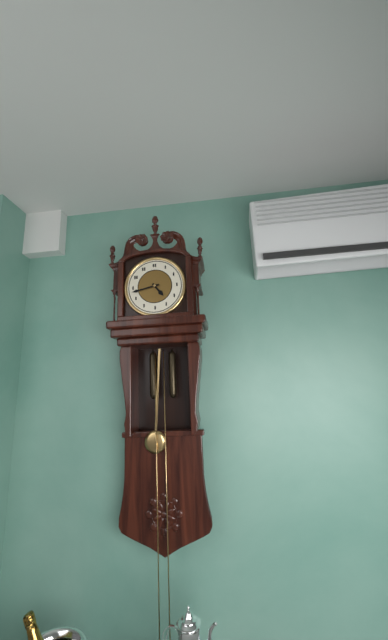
4 h 43 min
